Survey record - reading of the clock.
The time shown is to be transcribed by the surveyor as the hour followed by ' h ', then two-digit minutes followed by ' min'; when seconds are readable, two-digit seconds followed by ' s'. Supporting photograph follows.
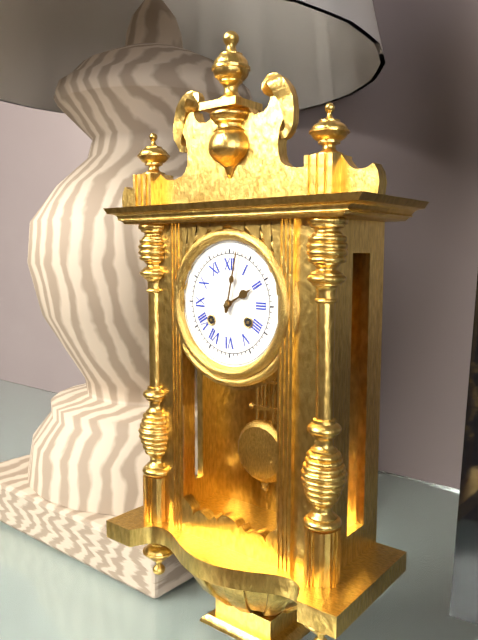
2 h 02 min
